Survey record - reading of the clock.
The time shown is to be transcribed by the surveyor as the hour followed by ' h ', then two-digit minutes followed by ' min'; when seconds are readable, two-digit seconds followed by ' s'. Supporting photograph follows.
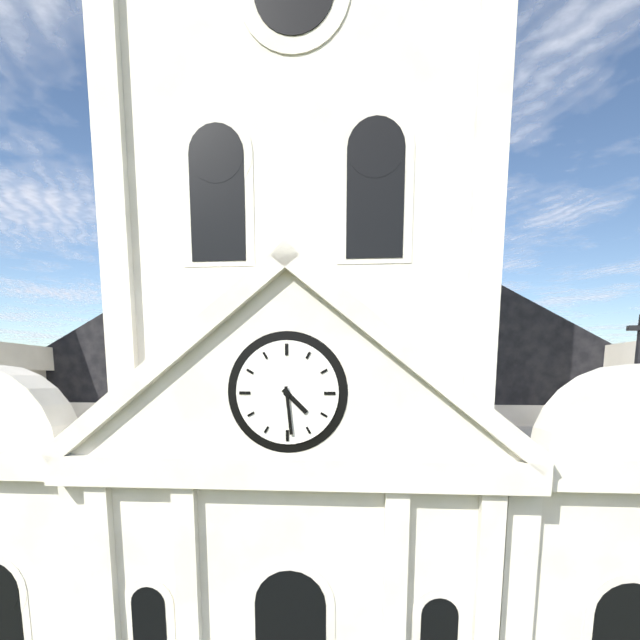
4 h 29 min
